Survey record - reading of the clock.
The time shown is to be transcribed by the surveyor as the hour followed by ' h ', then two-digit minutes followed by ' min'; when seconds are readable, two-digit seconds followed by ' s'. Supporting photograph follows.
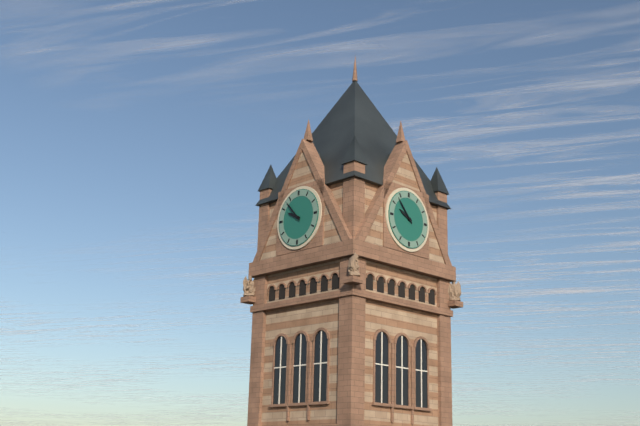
9 h 53 min
